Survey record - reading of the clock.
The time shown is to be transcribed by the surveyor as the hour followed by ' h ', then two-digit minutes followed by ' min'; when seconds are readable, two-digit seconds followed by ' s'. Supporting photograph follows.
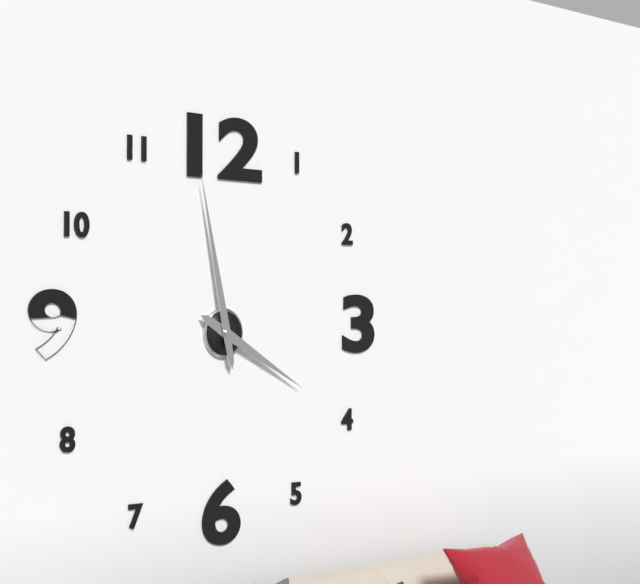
3 h 58 min
